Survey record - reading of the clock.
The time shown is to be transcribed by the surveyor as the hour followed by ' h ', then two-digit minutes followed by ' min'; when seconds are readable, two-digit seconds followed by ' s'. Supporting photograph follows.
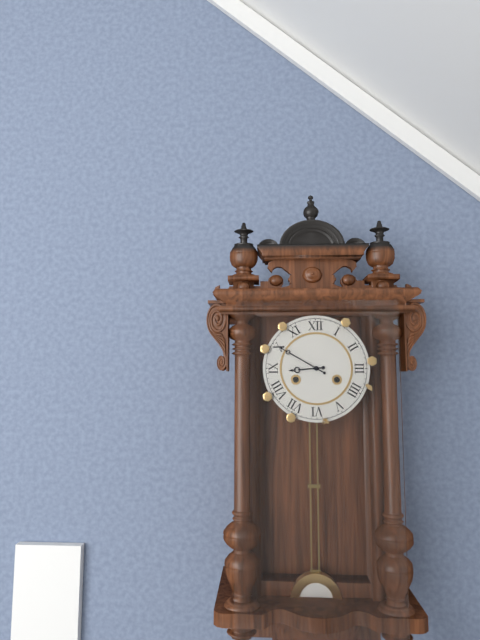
8 h 50 min
